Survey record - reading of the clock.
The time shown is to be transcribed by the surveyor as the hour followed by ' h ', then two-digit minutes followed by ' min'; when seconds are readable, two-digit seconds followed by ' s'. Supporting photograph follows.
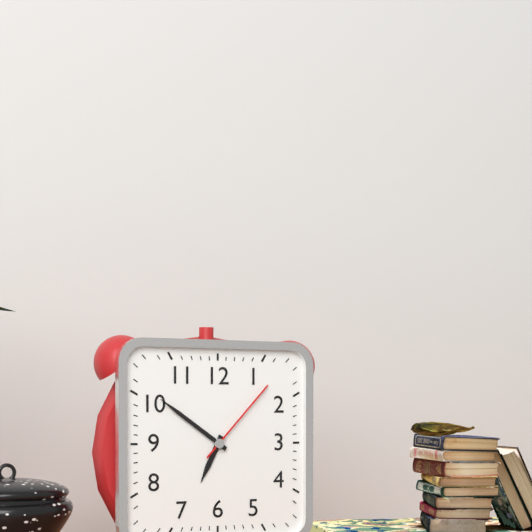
6 h 51 min 07 s
